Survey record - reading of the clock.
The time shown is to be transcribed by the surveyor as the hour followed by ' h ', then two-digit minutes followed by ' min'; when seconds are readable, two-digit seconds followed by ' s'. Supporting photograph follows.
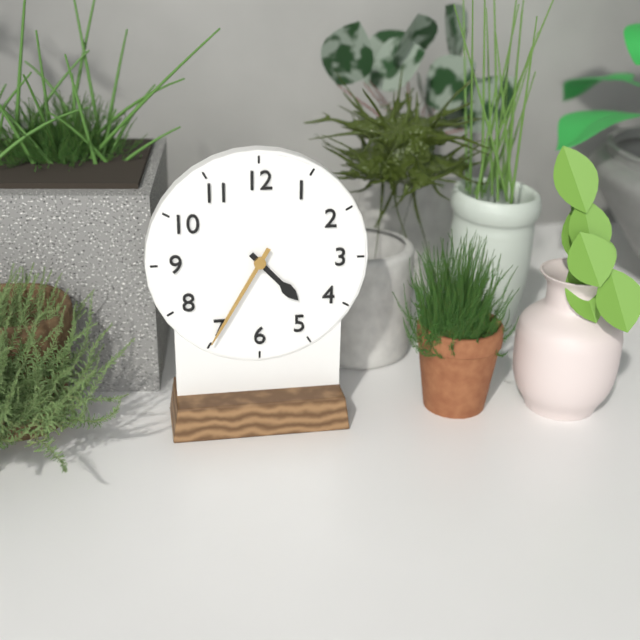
4 h 35 min
